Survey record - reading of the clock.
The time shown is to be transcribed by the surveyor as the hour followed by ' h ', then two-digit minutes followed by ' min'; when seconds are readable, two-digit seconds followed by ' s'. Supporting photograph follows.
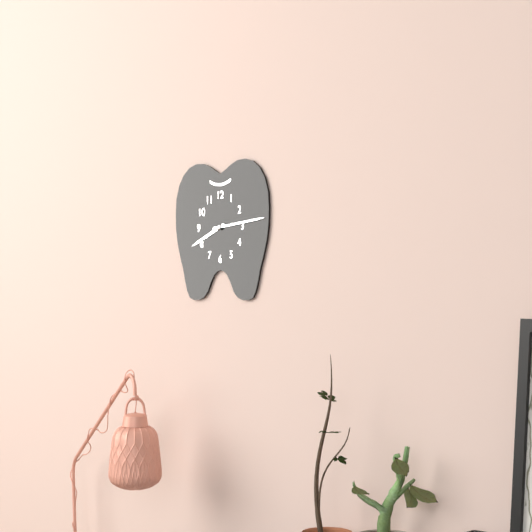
8 h 14 min
